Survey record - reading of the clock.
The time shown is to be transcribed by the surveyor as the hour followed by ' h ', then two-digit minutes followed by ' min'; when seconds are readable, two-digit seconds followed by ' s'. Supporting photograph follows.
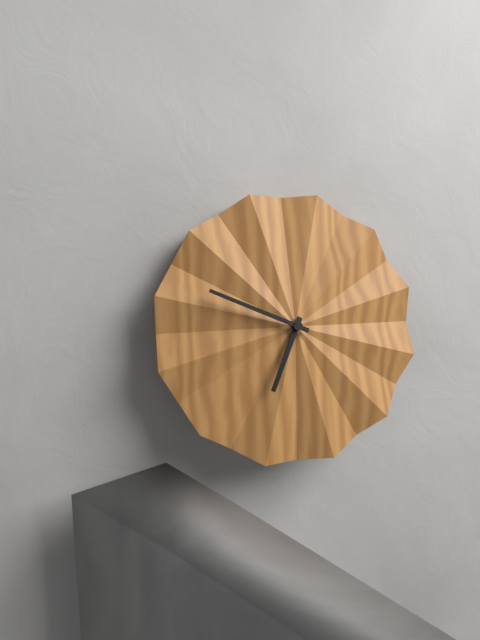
6 h 49 min
